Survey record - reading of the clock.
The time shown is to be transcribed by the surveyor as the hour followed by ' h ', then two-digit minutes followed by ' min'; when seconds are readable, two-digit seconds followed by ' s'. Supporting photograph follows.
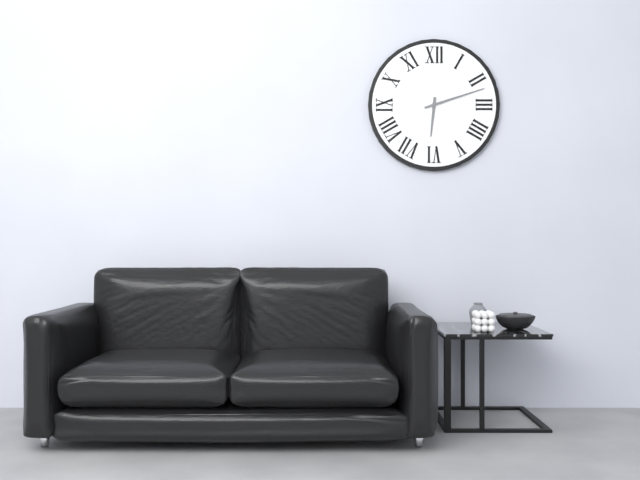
6 h 12 min
